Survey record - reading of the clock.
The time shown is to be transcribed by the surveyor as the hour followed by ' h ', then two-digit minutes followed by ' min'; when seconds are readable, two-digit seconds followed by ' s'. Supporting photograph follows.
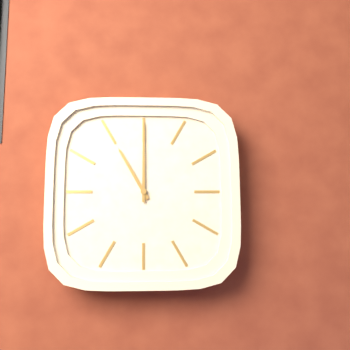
11 h 00 min
